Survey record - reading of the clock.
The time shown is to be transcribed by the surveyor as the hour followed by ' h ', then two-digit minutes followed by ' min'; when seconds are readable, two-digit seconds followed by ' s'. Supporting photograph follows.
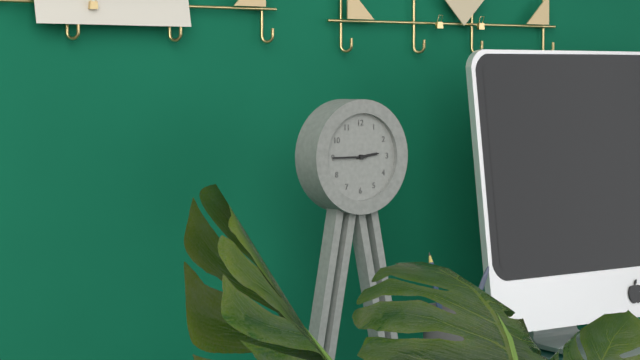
2 h 45 min
